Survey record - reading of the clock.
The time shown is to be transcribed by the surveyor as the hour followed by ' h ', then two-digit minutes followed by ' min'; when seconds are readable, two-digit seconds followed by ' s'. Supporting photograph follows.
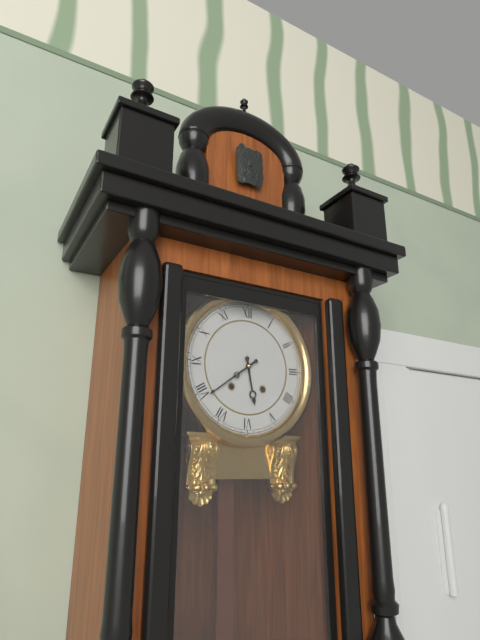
5 h 39 min
